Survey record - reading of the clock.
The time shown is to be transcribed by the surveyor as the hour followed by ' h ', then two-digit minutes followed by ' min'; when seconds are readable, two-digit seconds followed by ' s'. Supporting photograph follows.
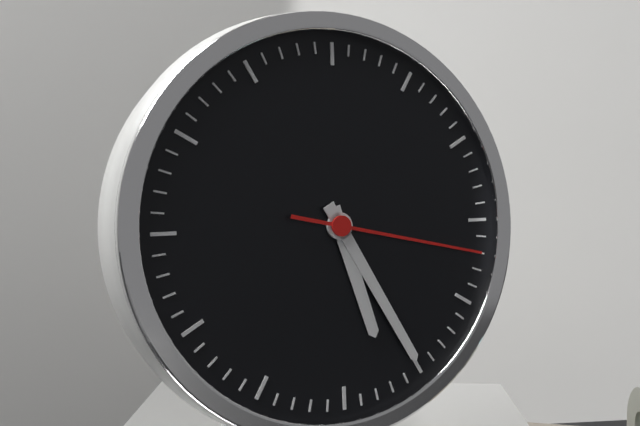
5 h 25 min 17 s
